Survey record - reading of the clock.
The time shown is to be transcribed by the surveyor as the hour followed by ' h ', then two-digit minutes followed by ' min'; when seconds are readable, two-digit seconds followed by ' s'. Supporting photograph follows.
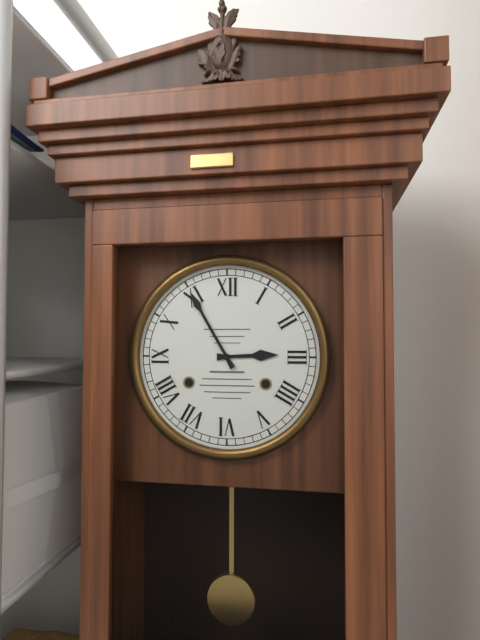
2 h 55 min
